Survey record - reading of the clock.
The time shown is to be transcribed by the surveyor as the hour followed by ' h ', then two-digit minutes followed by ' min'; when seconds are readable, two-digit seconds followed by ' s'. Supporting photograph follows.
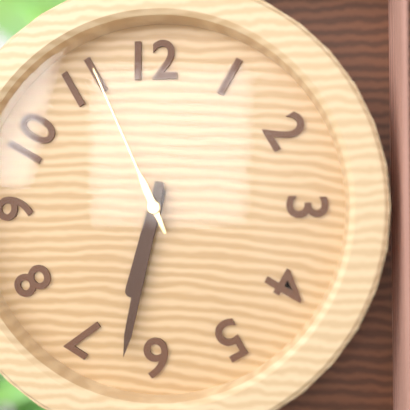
6 h 32 min 56 s
